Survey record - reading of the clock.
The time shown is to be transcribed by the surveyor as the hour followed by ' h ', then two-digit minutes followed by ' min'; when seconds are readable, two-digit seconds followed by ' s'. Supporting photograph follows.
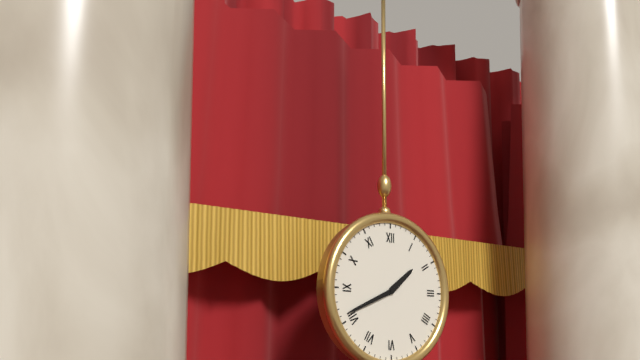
1 h 41 min
